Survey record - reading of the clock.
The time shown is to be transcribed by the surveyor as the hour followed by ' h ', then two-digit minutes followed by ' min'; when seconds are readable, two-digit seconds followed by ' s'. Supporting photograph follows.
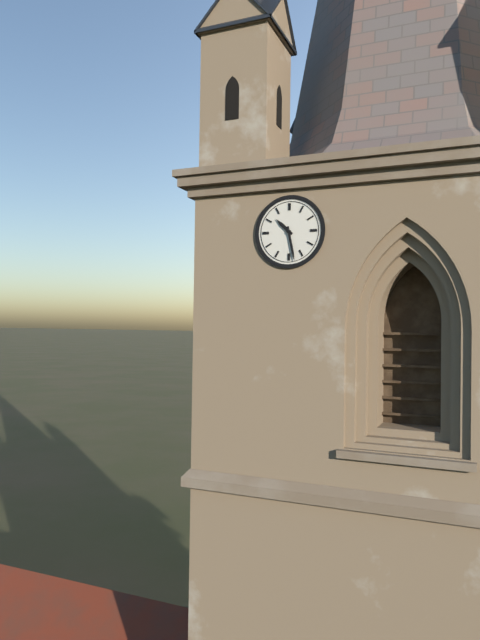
10 h 28 min
